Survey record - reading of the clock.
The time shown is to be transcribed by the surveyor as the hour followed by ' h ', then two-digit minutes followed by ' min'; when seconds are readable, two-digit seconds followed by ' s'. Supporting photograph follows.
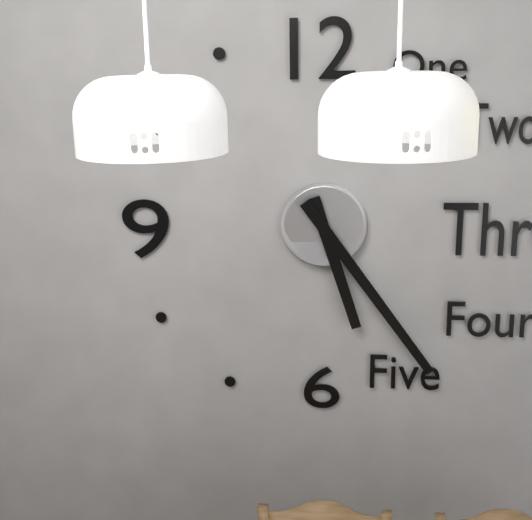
5 h 24 min
